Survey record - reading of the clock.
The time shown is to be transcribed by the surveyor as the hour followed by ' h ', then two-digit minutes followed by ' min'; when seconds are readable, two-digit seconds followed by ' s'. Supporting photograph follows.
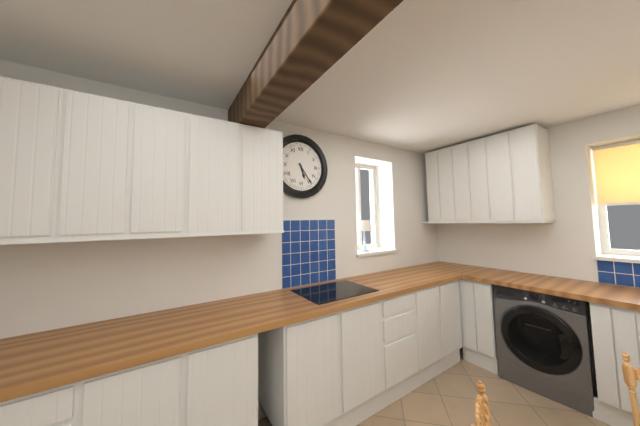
5 h 24 min
